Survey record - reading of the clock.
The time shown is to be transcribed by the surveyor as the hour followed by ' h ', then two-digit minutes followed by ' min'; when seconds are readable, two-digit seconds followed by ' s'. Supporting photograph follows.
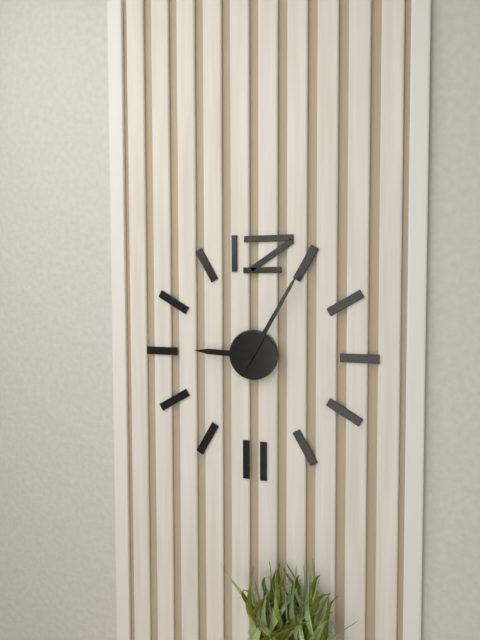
9 h 05 min
